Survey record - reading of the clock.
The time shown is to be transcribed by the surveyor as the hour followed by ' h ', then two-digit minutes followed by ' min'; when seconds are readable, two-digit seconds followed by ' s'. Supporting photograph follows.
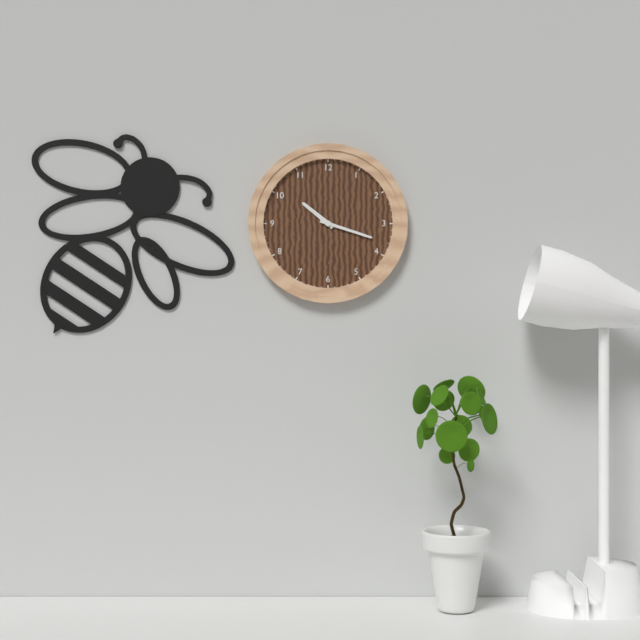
10 h 18 min
